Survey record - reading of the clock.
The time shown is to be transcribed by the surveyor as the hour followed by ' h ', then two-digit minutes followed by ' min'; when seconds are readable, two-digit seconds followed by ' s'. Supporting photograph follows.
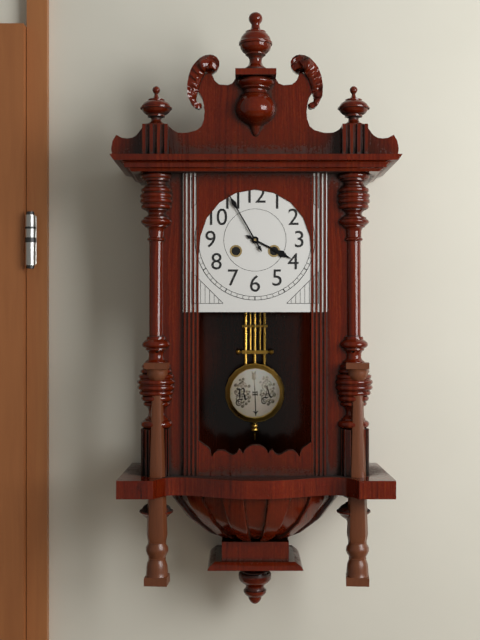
3 h 55 min
